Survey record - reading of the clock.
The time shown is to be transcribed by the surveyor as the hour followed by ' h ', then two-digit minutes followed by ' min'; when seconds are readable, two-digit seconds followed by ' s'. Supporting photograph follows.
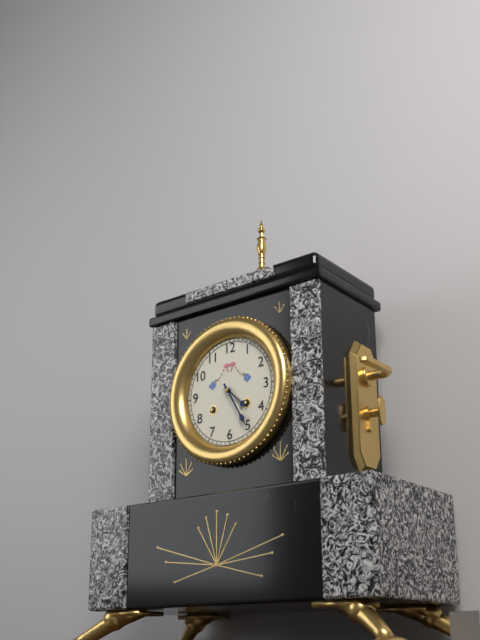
4 h 25 min
